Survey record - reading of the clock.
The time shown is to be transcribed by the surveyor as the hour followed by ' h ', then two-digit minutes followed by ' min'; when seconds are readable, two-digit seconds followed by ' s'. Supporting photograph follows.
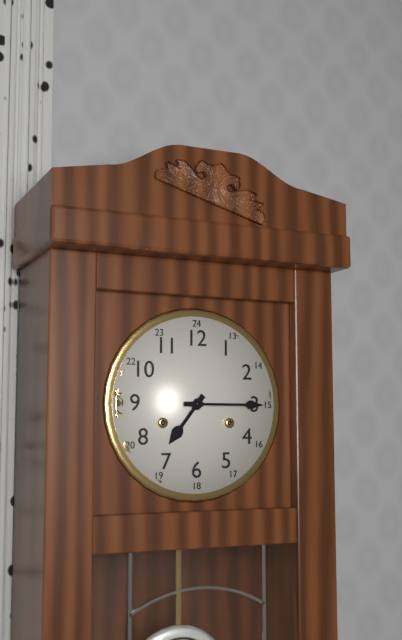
7 h 15 min
